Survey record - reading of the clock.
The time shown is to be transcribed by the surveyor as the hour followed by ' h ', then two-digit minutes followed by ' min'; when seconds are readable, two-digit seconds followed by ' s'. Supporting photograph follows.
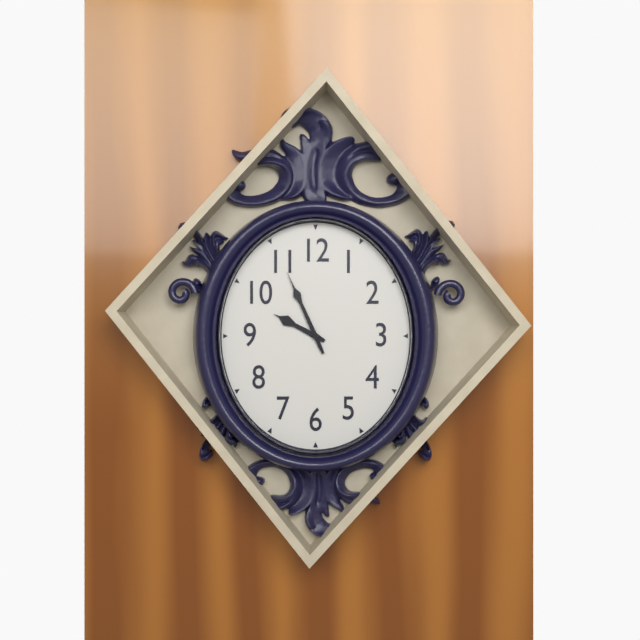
9 h 56 min
